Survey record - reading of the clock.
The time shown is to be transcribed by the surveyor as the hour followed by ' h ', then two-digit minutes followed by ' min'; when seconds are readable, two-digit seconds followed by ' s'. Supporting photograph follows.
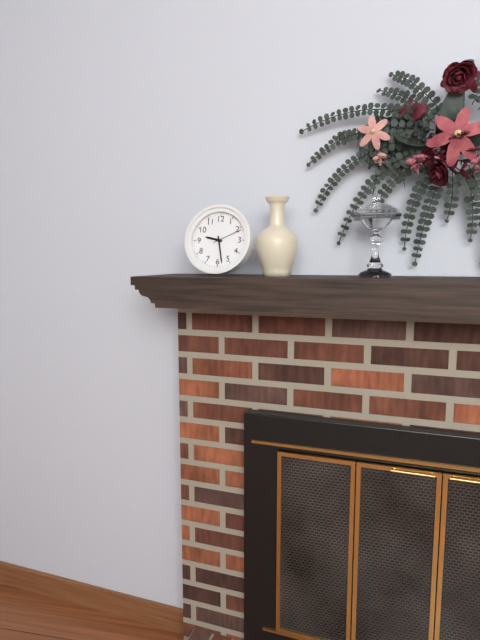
9 h 28 min
